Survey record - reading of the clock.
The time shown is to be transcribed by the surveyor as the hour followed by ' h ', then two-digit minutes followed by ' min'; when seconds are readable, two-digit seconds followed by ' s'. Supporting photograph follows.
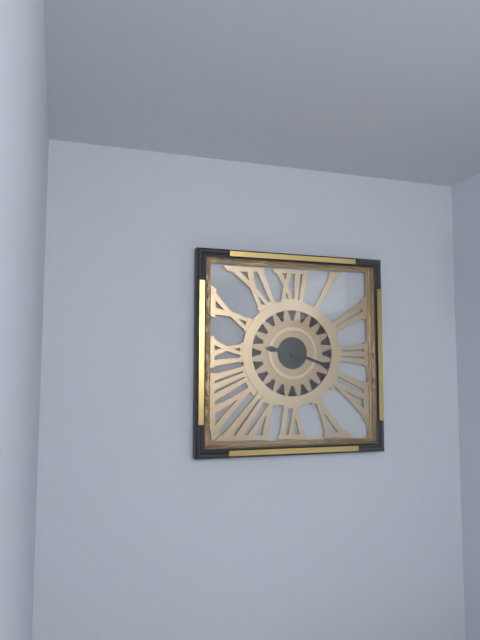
9 h 18 min
